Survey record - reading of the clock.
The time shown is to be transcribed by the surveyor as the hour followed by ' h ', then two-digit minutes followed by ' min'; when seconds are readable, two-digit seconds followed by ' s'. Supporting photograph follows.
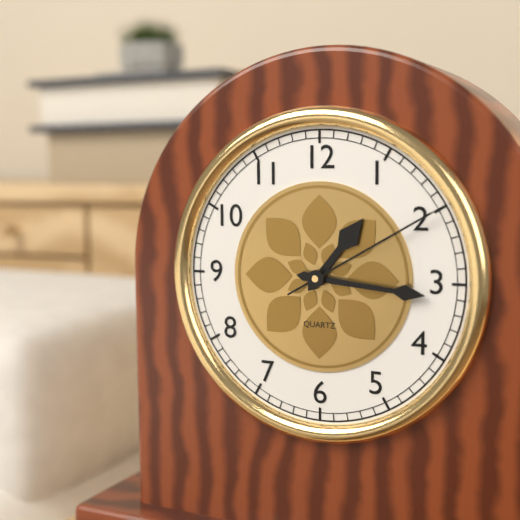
1 h 16 min 10 s
